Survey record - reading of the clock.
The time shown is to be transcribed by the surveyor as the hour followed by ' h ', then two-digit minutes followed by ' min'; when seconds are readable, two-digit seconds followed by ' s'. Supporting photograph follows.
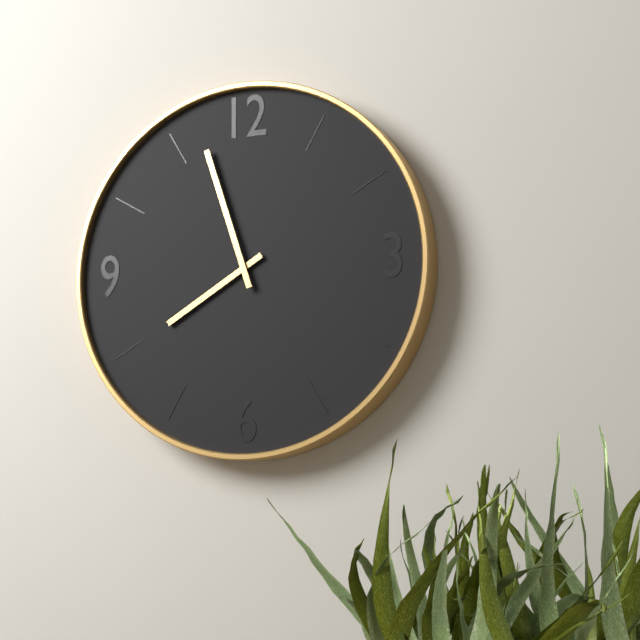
7 h 57 min
